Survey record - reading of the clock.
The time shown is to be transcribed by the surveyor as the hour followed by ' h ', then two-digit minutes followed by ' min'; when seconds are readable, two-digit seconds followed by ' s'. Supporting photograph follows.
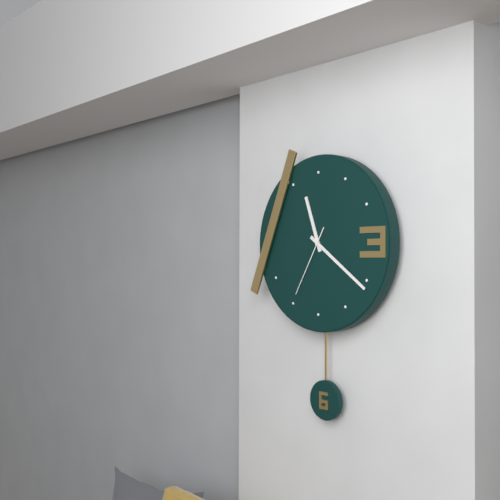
11 h 21 min 35 s
